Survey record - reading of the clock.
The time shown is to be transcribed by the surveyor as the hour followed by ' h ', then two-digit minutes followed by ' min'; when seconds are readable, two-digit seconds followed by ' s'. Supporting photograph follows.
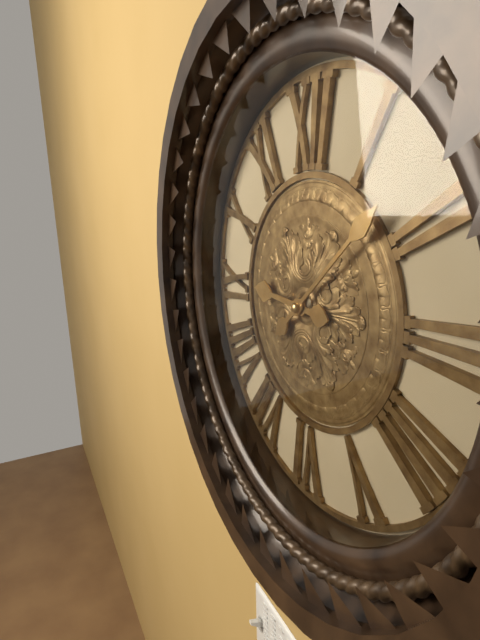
9 h 08 min
